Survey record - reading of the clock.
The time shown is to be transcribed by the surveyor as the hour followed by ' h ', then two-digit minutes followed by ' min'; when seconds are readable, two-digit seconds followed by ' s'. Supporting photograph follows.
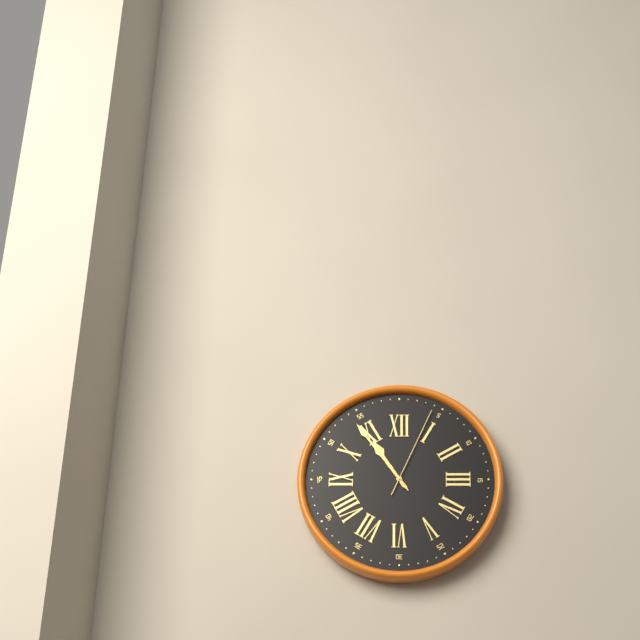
10 h 54 min 04 s
